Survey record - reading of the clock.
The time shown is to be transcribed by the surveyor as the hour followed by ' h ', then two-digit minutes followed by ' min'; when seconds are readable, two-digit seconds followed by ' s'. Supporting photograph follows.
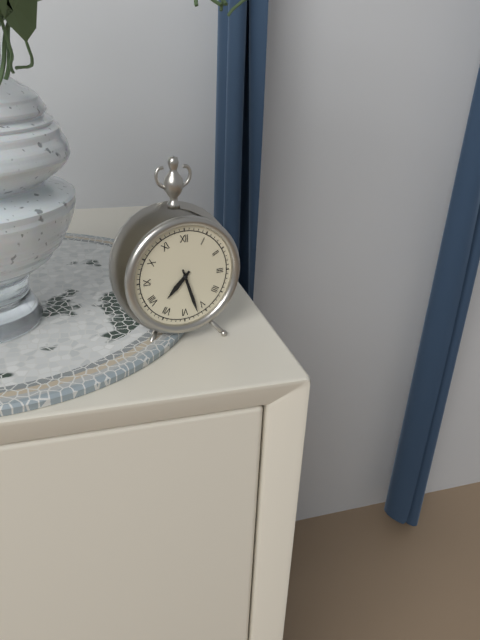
7 h 27 min
